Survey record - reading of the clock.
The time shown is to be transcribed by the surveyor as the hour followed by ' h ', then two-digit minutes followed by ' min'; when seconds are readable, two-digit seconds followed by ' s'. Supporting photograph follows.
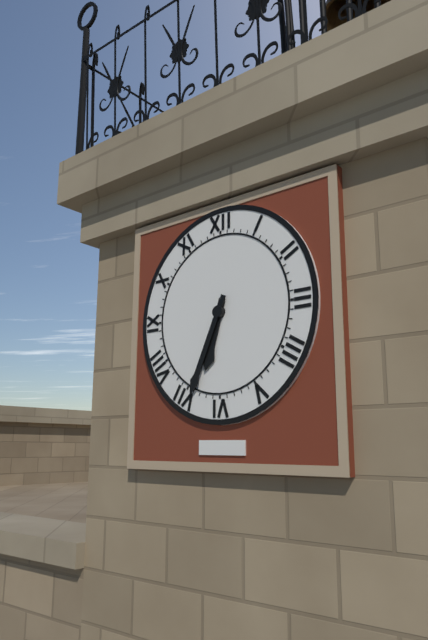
6 h 34 min
